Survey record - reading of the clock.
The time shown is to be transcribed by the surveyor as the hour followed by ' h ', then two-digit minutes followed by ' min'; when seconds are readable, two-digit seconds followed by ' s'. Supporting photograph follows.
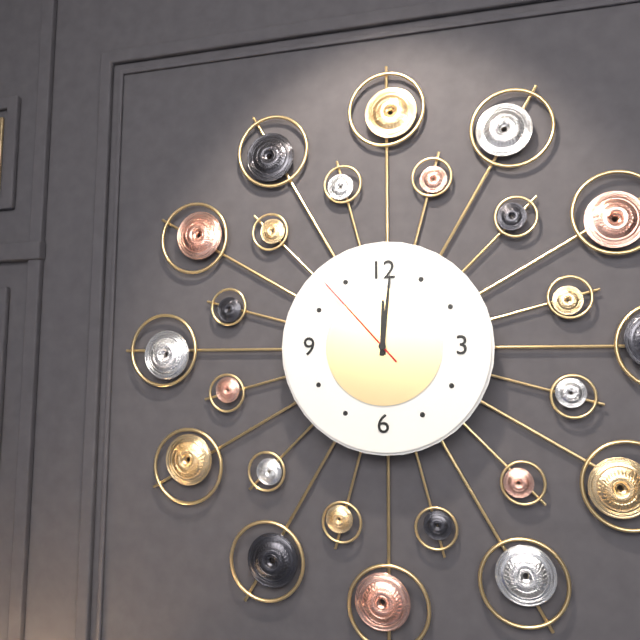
12 h 01 min 53 s
